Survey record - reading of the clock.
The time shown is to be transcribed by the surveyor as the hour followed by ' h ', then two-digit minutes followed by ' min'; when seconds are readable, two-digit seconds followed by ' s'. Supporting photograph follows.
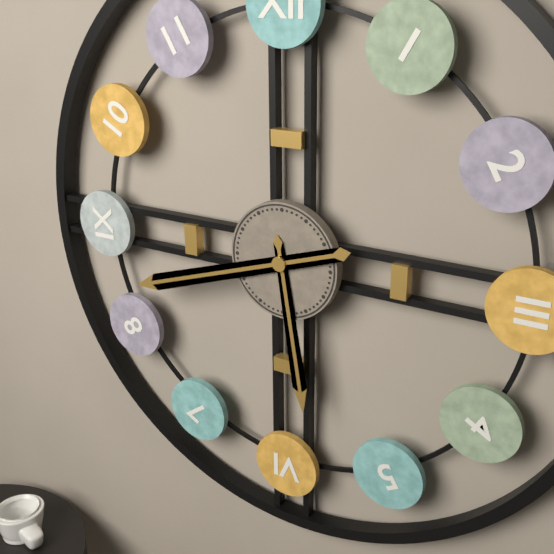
5 h 42 min
